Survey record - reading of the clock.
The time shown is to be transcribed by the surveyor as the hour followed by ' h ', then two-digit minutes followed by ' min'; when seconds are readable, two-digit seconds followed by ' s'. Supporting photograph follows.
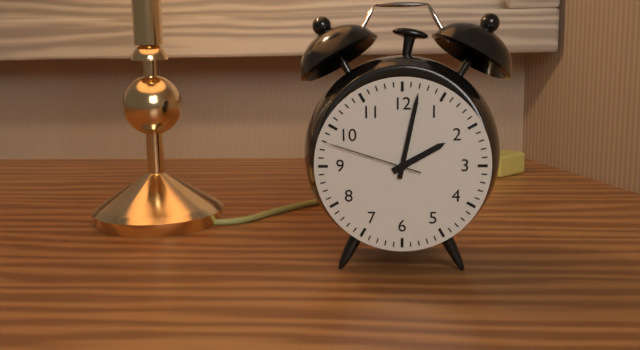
2 h 02 min 48 s
